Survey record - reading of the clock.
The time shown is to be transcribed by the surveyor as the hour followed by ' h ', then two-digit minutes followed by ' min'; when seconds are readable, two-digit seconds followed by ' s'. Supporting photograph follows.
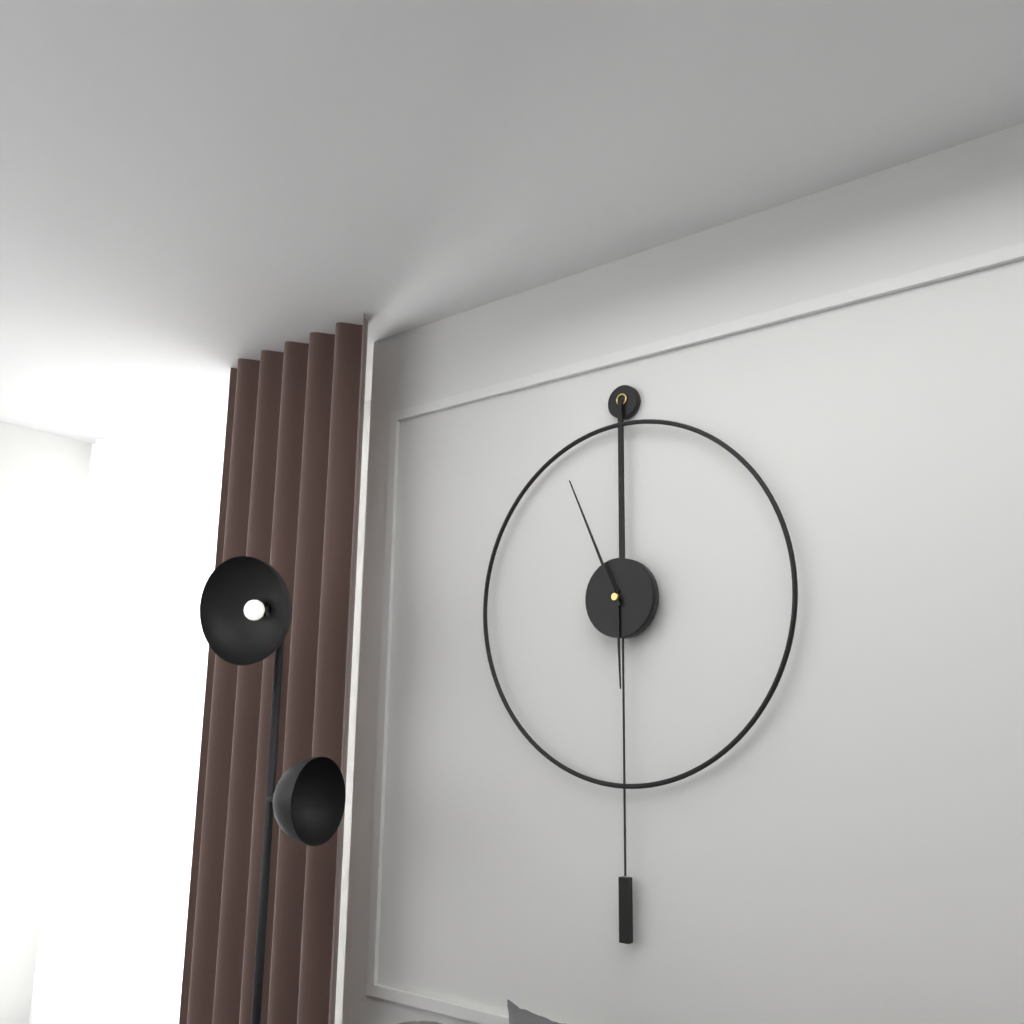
5 h 56 min
